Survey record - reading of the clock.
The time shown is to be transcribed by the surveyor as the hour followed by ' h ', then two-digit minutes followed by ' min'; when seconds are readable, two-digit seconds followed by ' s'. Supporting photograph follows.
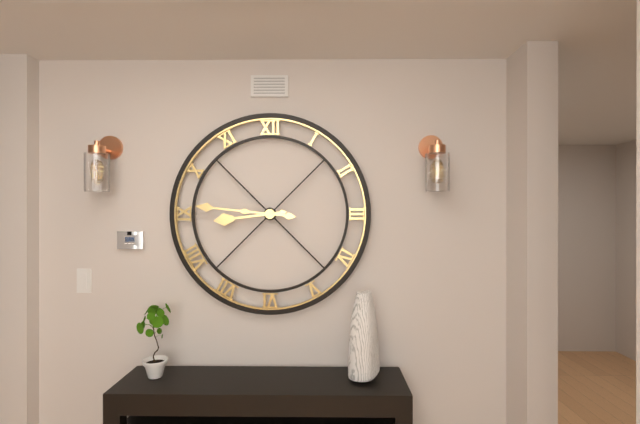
8 h 46 min
